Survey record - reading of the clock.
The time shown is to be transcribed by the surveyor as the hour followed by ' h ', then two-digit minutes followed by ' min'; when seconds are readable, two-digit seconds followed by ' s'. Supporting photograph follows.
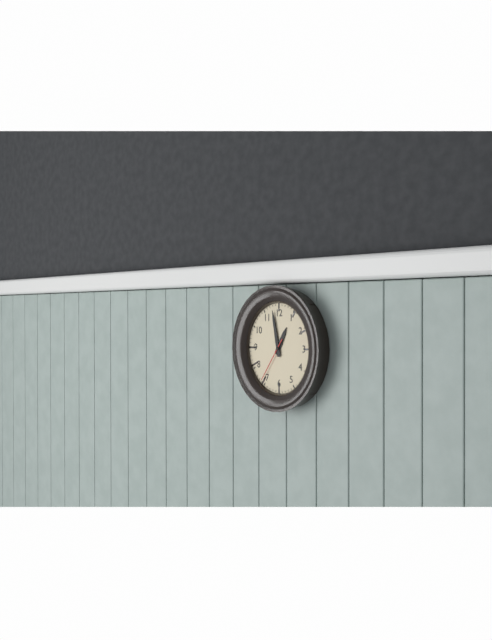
12 h 58 min
